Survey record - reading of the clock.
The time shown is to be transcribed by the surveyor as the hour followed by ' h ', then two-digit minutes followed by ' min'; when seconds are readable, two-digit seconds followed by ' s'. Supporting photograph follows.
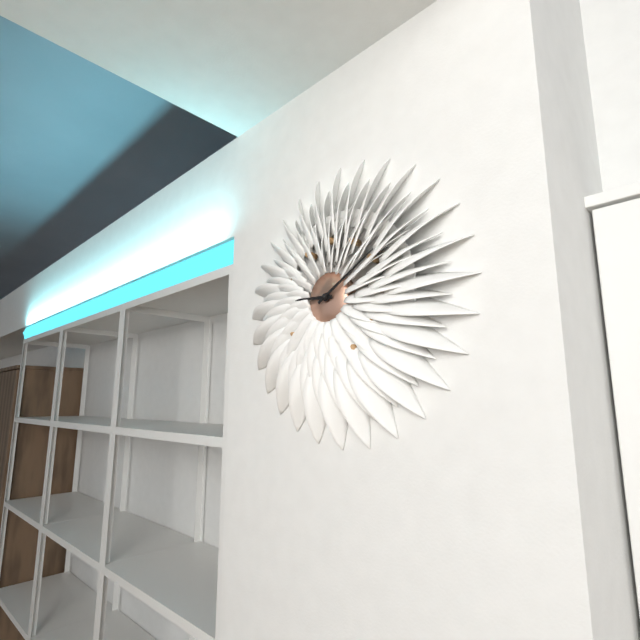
9 h 10 min
